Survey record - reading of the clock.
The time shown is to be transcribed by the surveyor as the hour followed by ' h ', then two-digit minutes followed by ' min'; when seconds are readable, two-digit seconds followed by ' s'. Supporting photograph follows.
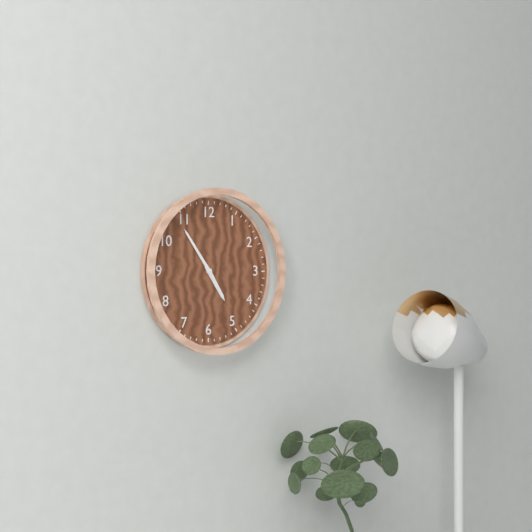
4 h 54 min
